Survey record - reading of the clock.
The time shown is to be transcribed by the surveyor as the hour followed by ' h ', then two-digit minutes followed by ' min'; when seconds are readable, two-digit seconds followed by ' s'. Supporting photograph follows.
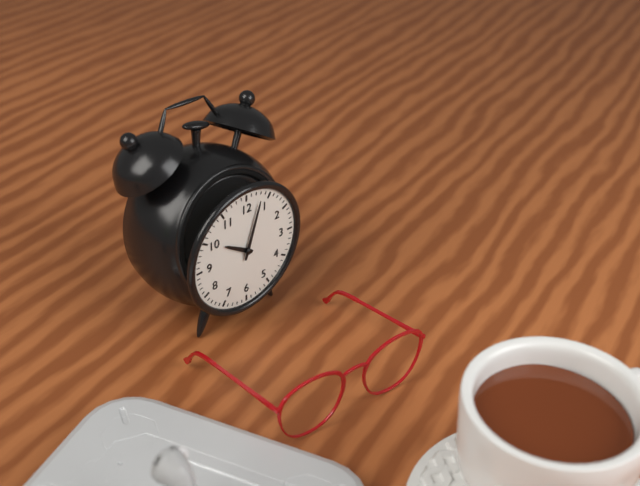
10 h 03 min
